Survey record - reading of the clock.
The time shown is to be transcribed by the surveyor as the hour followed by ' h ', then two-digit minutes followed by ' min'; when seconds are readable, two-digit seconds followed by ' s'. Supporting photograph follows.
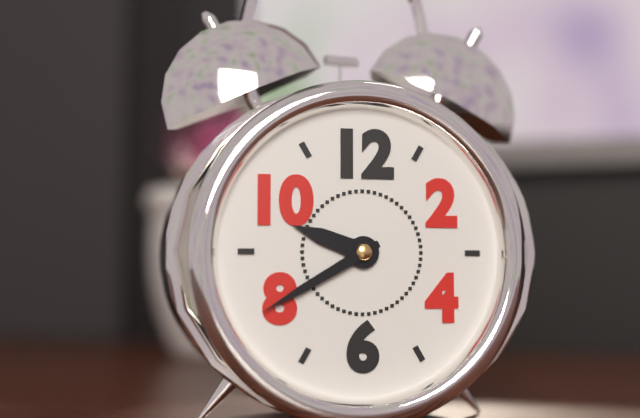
9 h 40 min
